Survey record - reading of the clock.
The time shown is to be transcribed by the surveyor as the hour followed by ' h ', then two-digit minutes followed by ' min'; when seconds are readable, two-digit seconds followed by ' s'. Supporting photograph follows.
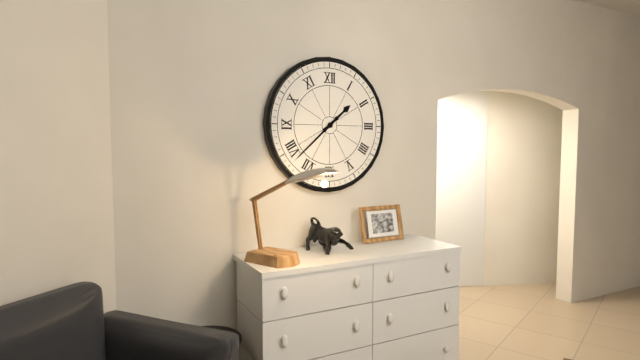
1 h 38 min
